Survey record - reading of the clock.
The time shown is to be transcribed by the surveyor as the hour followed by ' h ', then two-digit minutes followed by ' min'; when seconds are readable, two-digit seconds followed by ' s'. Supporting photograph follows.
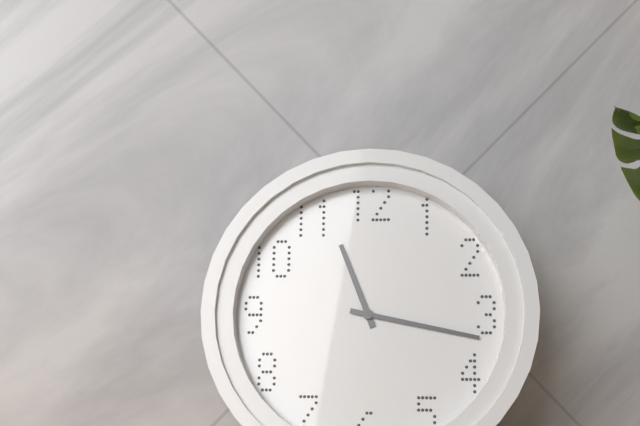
11 h 17 min
